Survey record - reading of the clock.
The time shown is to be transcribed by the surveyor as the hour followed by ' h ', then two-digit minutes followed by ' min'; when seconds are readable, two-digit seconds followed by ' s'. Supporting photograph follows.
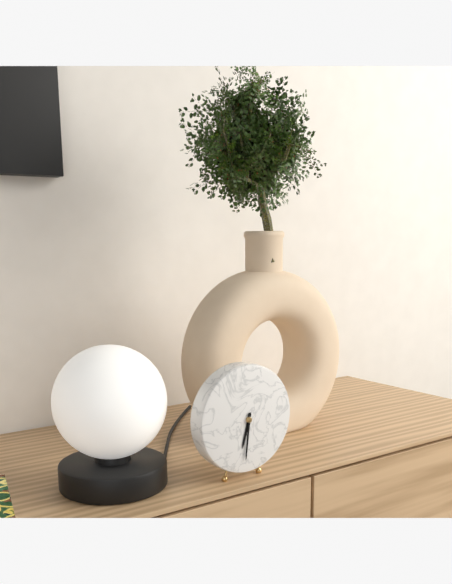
6 h 31 min
